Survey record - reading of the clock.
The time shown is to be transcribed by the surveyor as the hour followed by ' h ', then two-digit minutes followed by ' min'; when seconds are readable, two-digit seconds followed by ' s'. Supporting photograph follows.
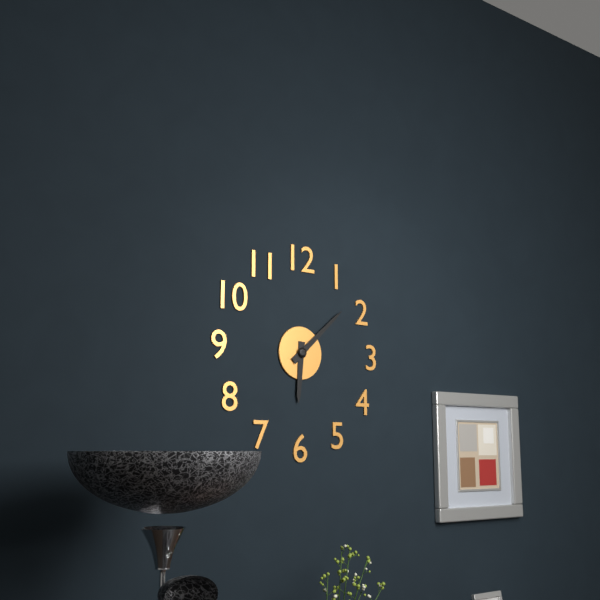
6 h 08 min
